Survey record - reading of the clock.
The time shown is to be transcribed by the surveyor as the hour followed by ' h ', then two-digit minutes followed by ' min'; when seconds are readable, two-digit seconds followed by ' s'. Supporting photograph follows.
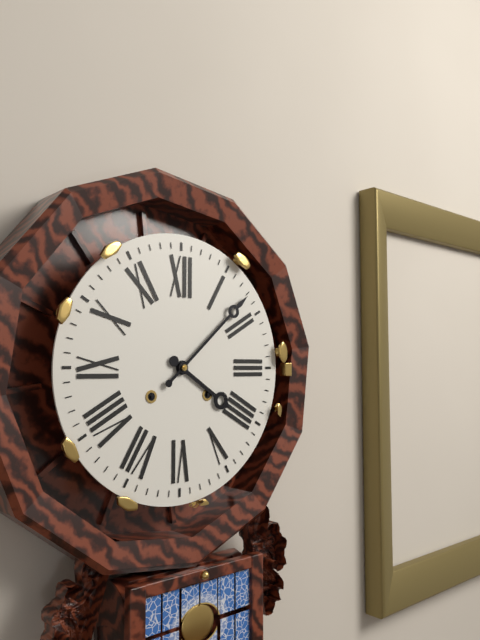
4 h 08 min
